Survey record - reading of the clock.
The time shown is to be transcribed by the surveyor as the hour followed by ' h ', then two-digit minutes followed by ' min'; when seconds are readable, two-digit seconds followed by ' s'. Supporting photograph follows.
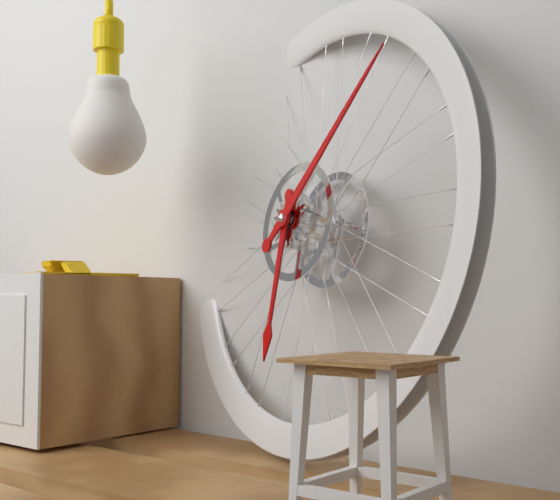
6 h 07 min
